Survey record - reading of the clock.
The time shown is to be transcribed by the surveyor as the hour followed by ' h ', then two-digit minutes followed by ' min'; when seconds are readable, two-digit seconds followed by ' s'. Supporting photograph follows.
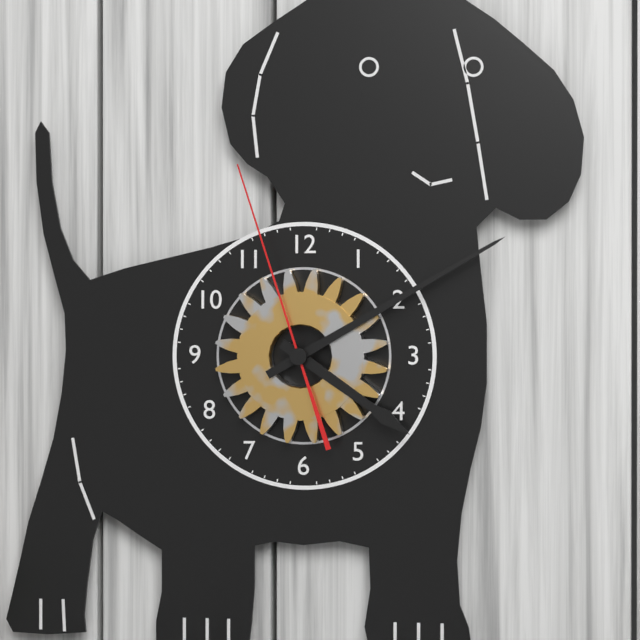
4 h 10 min 57 s
